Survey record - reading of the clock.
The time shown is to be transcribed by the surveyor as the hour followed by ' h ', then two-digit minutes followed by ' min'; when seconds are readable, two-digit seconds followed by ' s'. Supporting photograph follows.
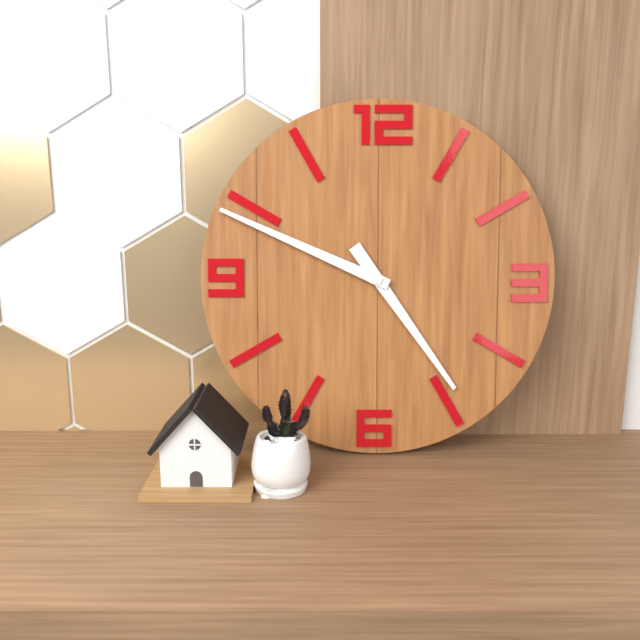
4 h 49 min
